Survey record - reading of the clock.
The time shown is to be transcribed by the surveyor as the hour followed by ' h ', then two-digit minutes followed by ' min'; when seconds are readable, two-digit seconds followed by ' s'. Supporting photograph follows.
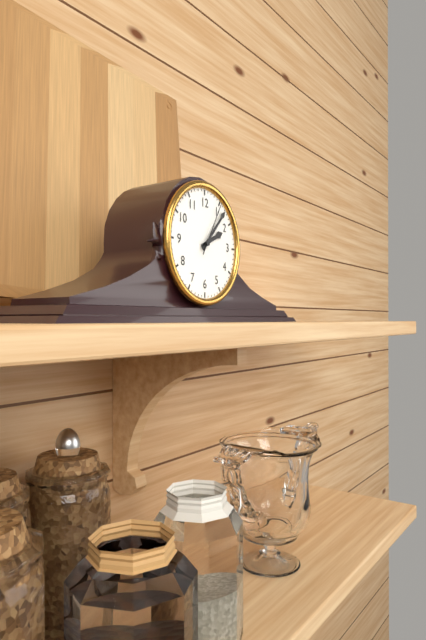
2 h 07 min 05 s
